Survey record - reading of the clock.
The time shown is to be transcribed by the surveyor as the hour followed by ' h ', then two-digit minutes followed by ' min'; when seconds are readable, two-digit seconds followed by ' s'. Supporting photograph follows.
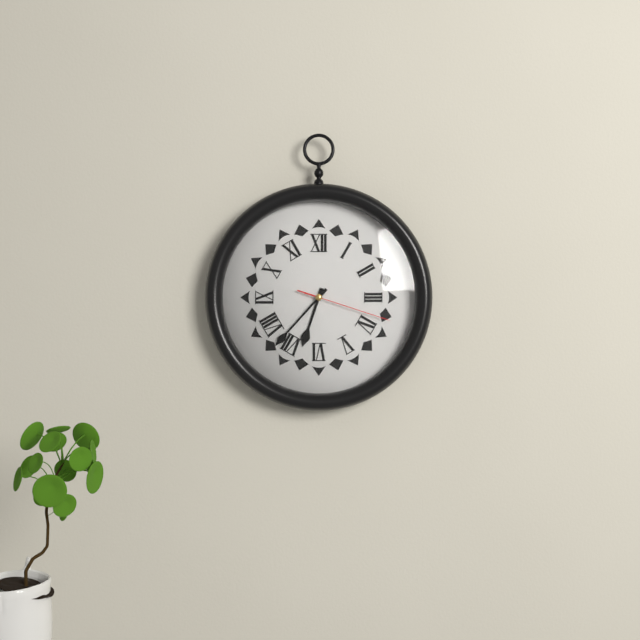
6 h 37 min 18 s
